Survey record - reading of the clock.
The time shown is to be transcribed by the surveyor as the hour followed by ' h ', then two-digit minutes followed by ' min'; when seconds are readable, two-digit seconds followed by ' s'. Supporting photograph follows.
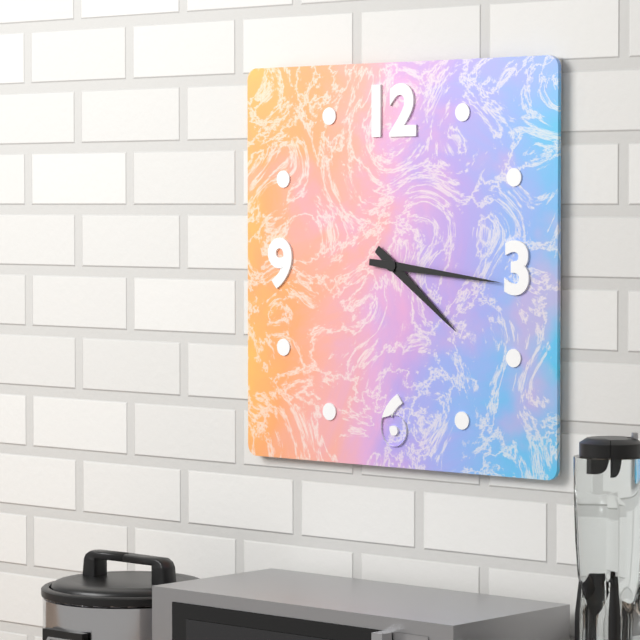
4 h 16 min
